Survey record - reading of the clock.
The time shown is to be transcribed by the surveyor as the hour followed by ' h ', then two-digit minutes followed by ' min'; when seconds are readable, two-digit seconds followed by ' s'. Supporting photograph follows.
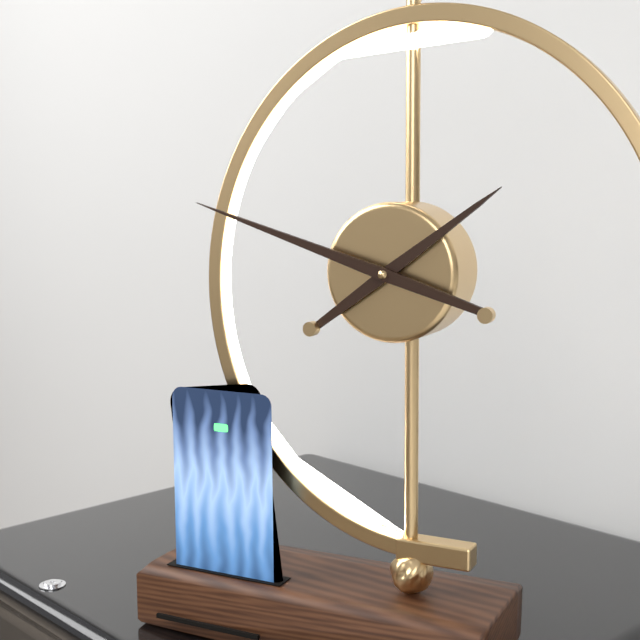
1 h 48 min
